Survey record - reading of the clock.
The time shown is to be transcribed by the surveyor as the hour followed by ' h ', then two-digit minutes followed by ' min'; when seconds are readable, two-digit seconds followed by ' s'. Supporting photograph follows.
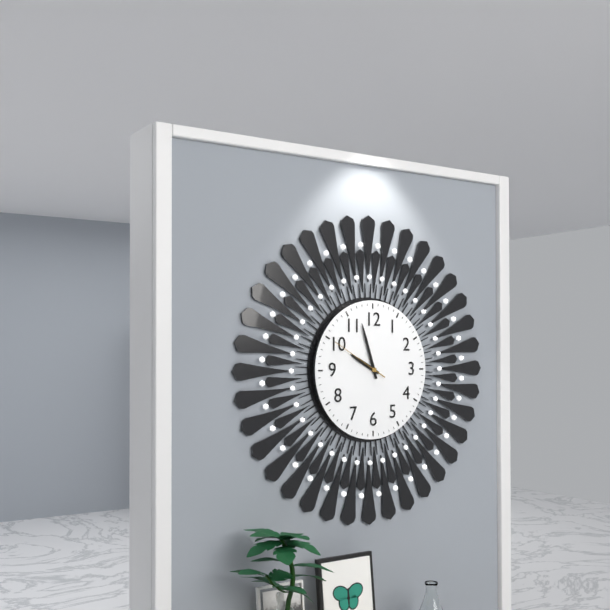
9 h 57 min 50 s
